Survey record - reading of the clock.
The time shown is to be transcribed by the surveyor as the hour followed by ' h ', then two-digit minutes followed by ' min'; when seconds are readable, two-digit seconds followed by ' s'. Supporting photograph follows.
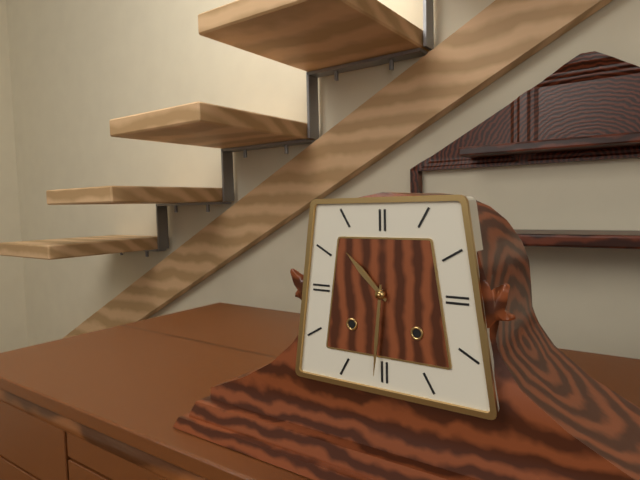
10 h 31 min
